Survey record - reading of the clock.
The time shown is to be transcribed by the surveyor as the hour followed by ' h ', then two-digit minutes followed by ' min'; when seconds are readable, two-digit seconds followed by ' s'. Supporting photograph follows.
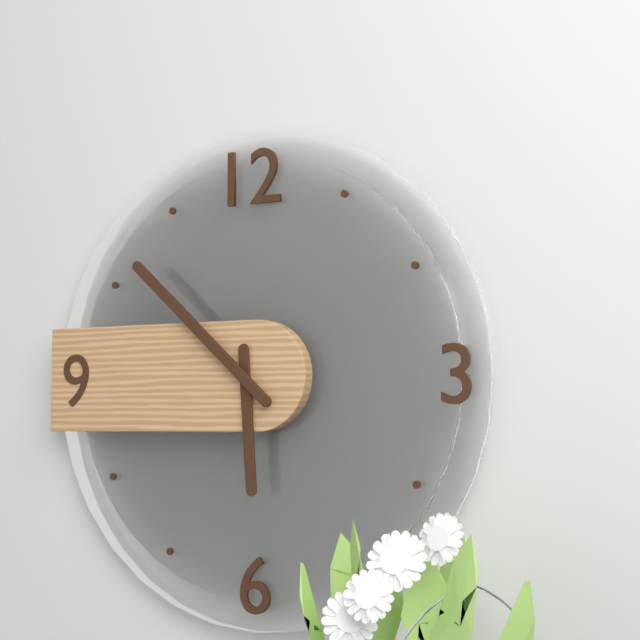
5 h 52 min
